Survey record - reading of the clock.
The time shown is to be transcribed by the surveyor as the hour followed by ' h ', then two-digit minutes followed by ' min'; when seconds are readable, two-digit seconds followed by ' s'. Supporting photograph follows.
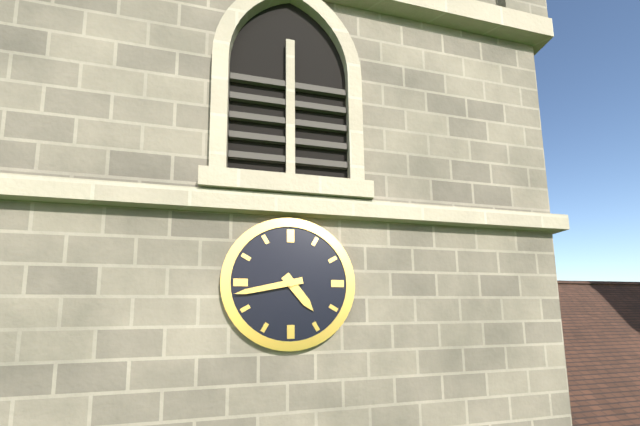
4 h 43 min
